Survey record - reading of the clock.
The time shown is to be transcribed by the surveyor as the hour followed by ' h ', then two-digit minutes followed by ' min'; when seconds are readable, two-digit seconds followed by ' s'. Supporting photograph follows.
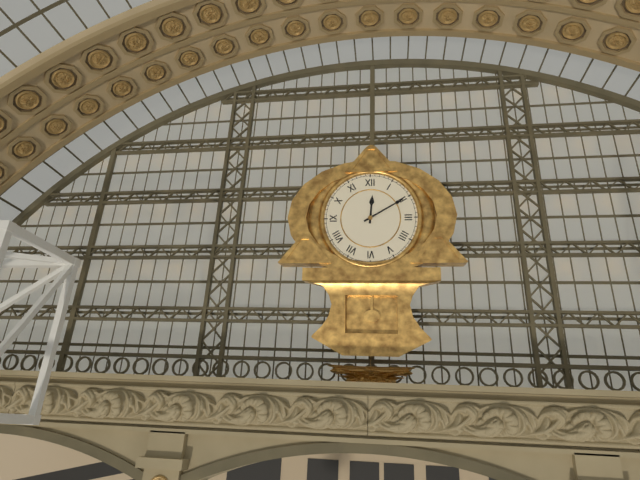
12 h 10 min
